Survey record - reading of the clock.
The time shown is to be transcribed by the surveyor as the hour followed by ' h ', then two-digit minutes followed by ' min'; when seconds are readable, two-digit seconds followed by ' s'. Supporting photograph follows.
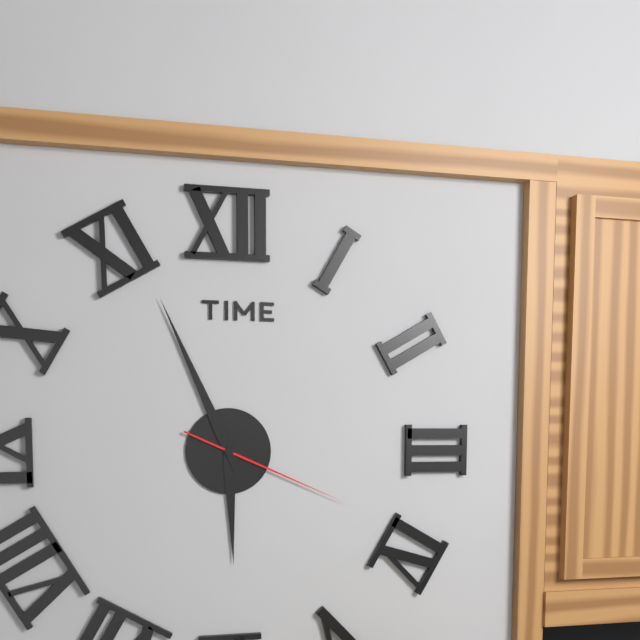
5 h 56 min 19 s
